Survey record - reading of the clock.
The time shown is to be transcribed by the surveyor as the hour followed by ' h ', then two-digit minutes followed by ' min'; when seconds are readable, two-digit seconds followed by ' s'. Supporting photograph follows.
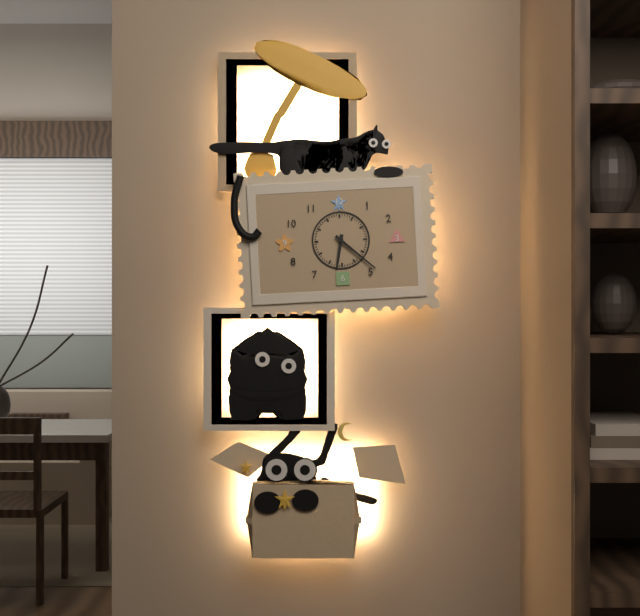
6 h 22 min
